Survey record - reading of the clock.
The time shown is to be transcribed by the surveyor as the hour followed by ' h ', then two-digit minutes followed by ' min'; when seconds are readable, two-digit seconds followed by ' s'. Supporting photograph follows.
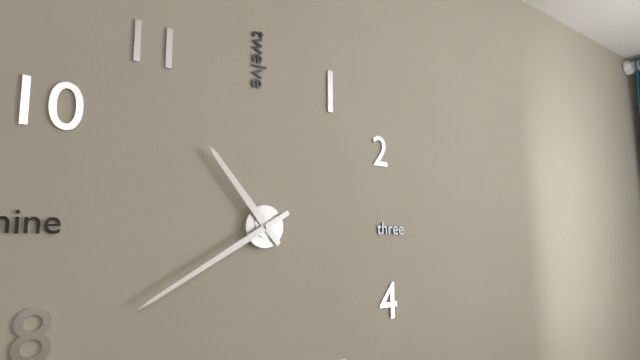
10 h 40 min
